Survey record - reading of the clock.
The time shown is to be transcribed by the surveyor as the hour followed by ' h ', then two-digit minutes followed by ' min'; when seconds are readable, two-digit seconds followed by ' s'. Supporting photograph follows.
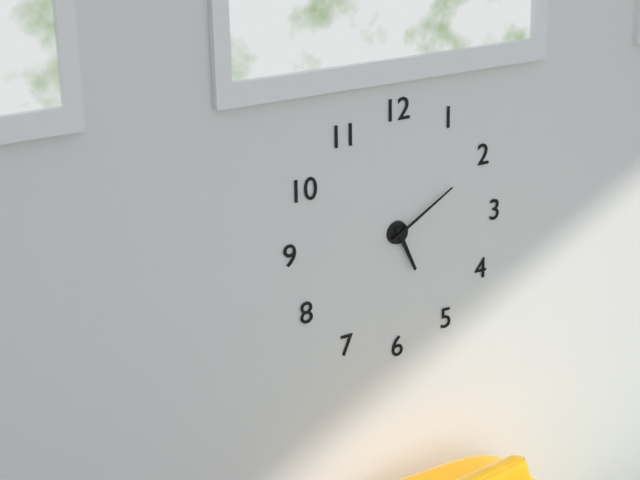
5 h 10 min
